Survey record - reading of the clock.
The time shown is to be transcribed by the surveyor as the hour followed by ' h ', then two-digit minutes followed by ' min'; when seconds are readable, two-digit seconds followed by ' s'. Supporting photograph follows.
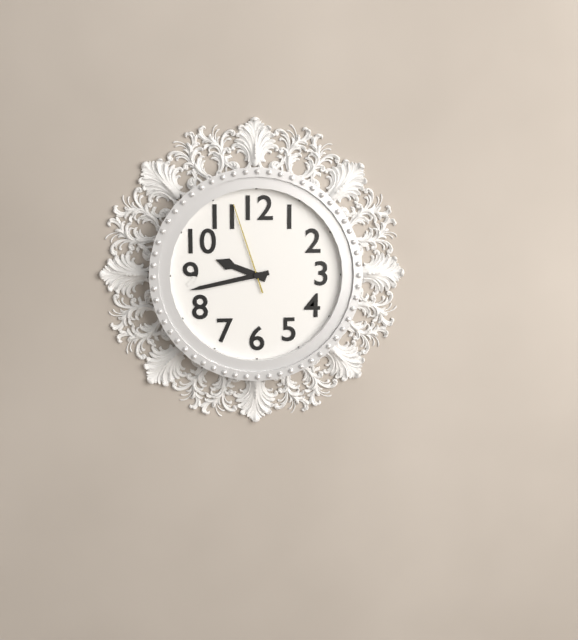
9 h 43 min 57 s
